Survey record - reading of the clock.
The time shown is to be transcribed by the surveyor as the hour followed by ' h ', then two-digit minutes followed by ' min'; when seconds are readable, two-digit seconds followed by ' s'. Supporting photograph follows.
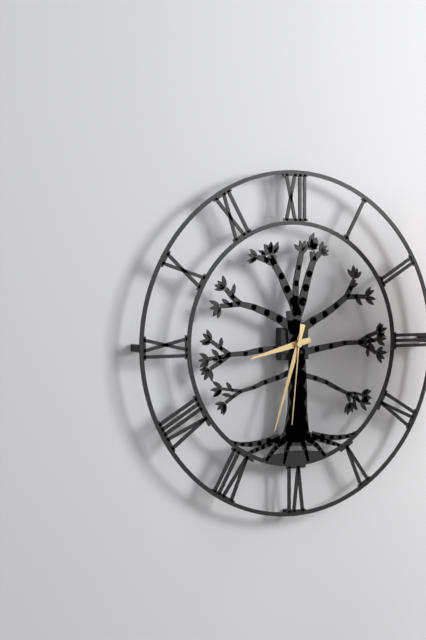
8 h 33 min 31 s
